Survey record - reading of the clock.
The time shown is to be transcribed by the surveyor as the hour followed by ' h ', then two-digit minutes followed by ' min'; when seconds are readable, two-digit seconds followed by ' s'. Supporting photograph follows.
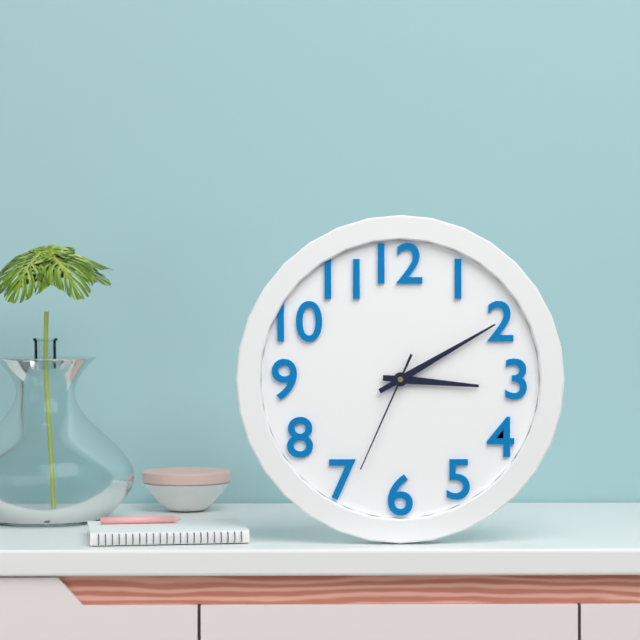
3 h 10 min 34 s
